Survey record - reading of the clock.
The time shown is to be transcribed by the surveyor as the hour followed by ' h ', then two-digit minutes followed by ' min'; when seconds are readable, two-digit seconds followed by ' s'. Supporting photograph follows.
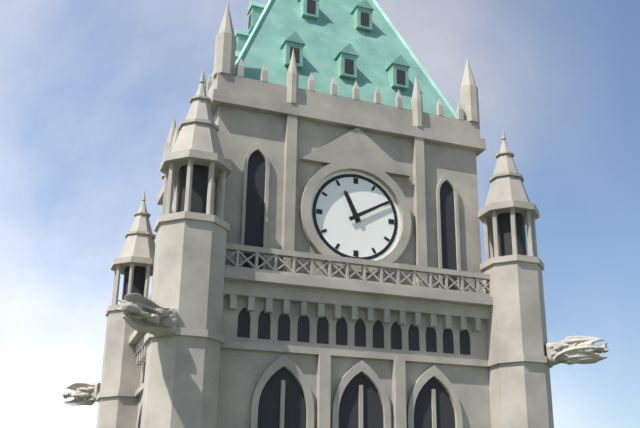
11 h 10 min
